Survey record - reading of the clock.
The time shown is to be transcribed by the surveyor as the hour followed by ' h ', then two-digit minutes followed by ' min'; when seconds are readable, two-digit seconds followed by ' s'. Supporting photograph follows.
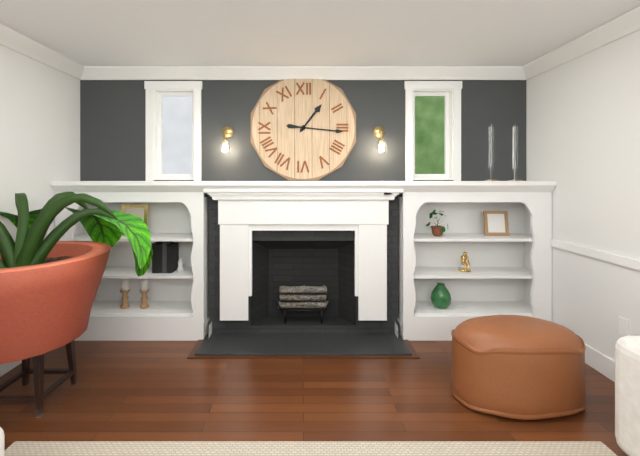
1 h 16 min
